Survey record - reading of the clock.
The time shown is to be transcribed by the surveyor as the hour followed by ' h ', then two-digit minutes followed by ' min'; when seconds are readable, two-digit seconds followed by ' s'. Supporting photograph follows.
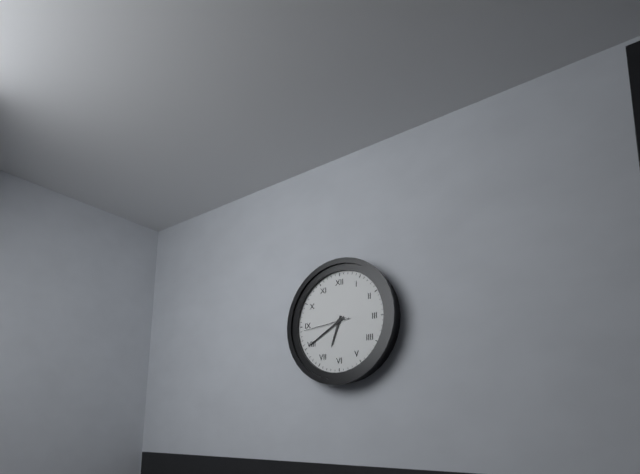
6 h 40 min
